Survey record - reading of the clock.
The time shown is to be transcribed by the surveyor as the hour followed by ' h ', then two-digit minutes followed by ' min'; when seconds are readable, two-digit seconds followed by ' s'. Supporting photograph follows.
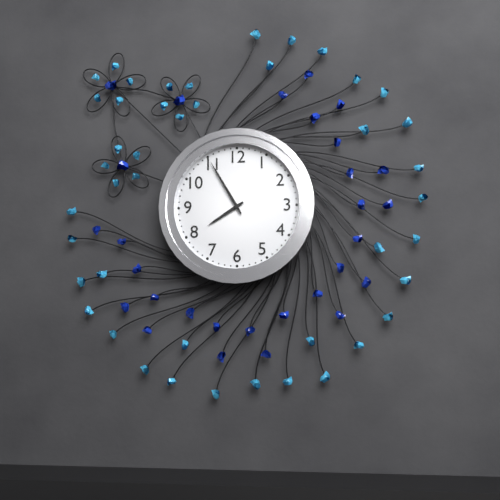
7 h 55 min
